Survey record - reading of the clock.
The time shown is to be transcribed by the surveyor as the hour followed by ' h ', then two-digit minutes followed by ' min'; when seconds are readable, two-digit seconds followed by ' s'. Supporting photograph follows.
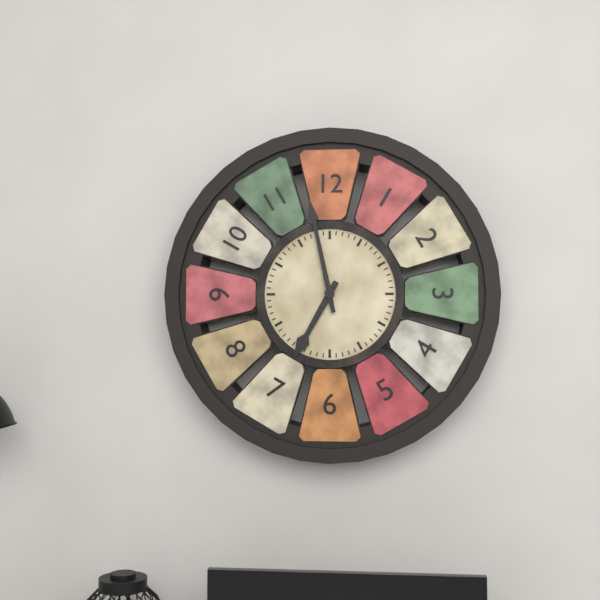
6 h 58 min
